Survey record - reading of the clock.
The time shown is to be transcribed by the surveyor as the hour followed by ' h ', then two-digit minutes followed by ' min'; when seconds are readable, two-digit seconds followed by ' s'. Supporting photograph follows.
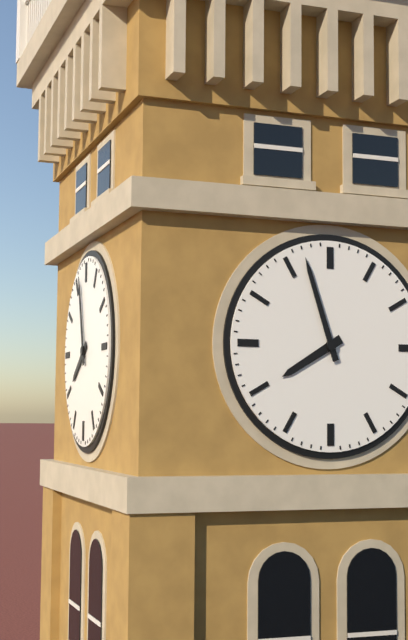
7 h 57 min
